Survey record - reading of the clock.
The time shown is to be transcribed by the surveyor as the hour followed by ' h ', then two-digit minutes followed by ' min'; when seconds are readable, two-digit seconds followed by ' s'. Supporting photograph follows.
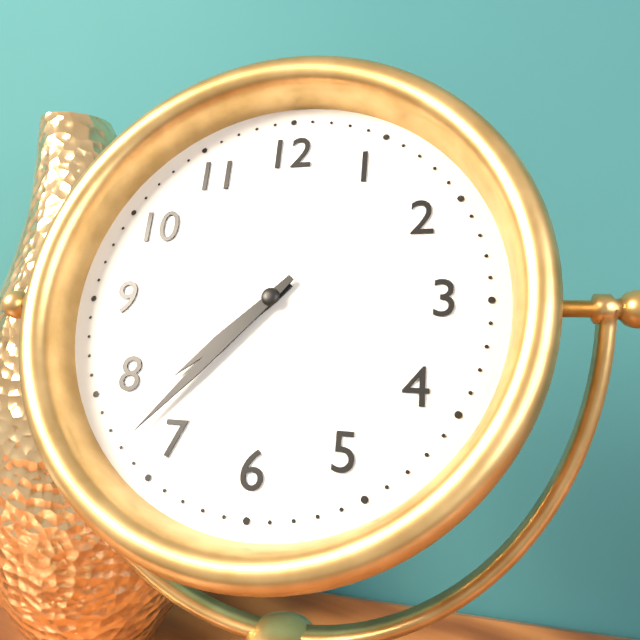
7 h 37 min
